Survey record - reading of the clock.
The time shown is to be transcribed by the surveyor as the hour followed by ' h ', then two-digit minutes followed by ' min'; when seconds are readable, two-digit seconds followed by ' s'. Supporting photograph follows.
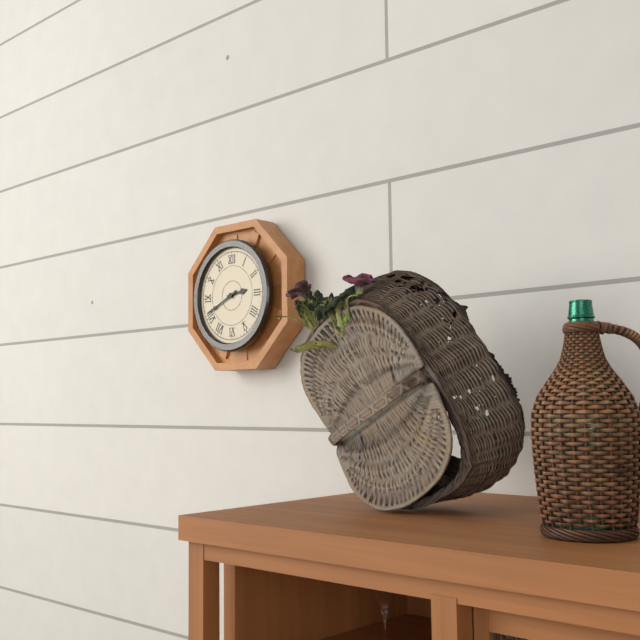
2 h 41 min
